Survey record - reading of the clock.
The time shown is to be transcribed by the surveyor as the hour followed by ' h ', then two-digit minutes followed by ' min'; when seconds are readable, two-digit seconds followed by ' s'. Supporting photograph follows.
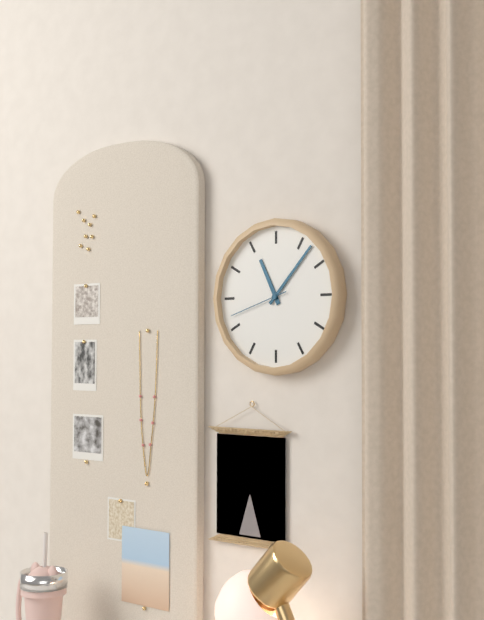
11 h 07 min 42 s
